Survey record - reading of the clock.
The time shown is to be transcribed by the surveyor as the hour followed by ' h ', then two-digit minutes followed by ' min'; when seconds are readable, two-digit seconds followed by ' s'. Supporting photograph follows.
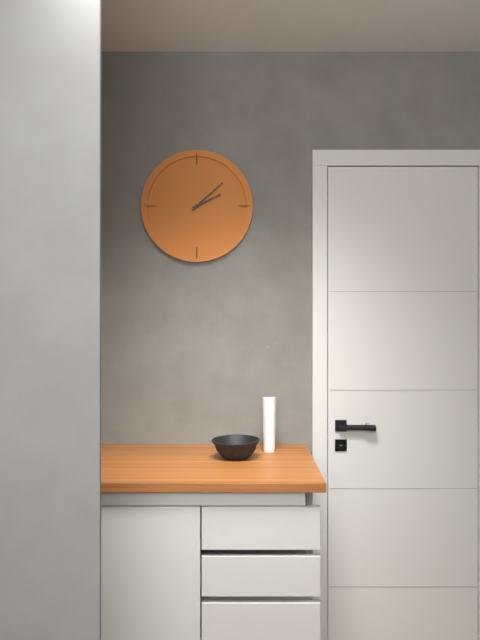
2 h 08 min
